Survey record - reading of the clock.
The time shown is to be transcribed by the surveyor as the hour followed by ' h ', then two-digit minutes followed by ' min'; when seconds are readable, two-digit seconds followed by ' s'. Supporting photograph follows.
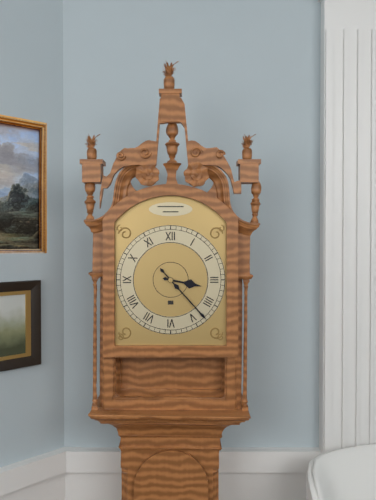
3 h 23 min
